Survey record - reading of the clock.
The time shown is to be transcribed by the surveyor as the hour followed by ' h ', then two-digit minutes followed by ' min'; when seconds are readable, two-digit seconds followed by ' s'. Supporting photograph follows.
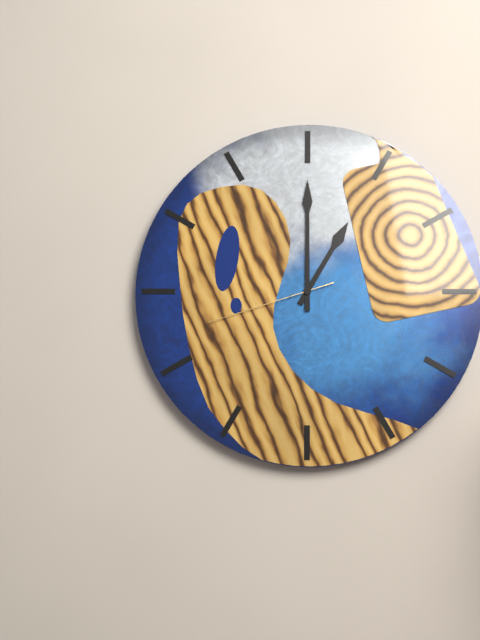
1 h 00 min 42 s
